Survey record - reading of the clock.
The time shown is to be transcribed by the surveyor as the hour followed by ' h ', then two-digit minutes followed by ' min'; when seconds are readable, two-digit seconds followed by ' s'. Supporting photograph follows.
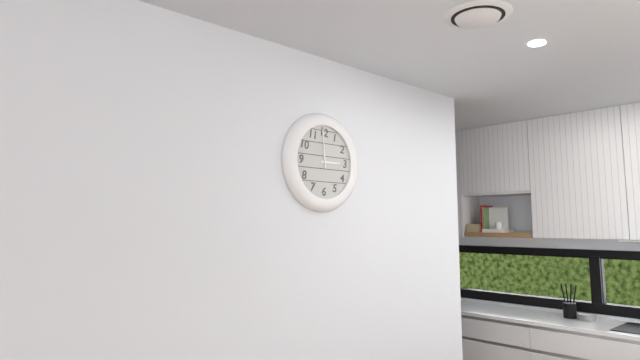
2 h 59 min
